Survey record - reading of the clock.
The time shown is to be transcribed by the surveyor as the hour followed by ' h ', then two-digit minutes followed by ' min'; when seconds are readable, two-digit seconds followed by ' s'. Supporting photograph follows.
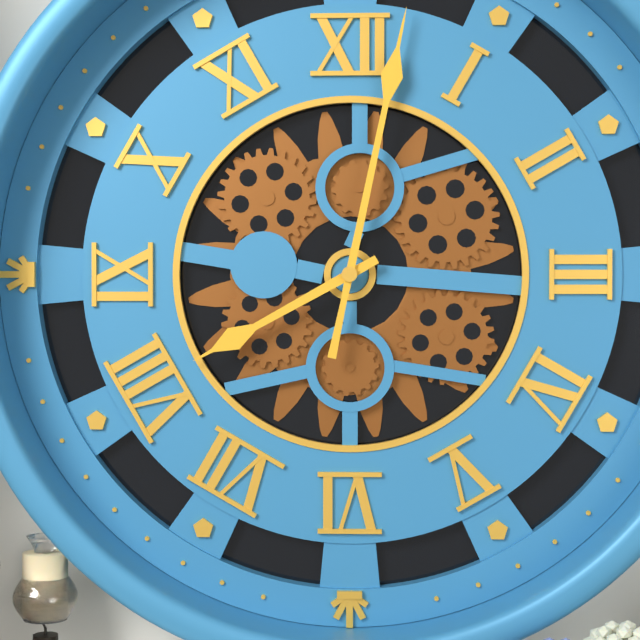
8 h 02 min
